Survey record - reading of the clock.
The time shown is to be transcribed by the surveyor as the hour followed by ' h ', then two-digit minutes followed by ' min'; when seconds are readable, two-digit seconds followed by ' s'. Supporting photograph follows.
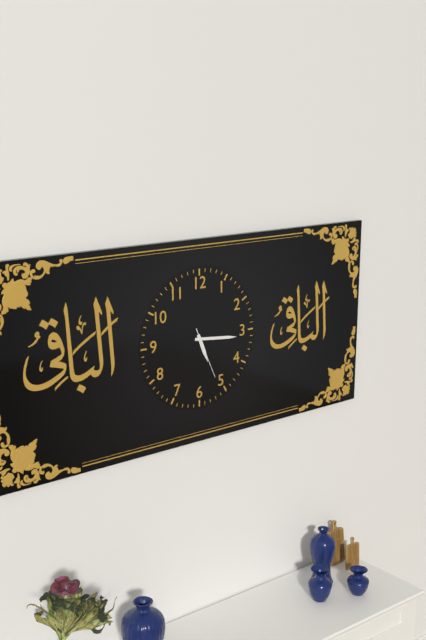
5 h 16 min 26 s
